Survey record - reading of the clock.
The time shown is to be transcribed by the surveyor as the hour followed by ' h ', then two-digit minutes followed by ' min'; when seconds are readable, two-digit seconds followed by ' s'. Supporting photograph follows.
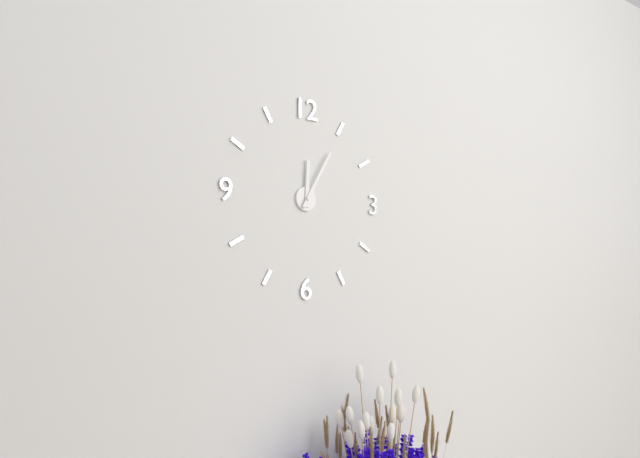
12 h 05 min
